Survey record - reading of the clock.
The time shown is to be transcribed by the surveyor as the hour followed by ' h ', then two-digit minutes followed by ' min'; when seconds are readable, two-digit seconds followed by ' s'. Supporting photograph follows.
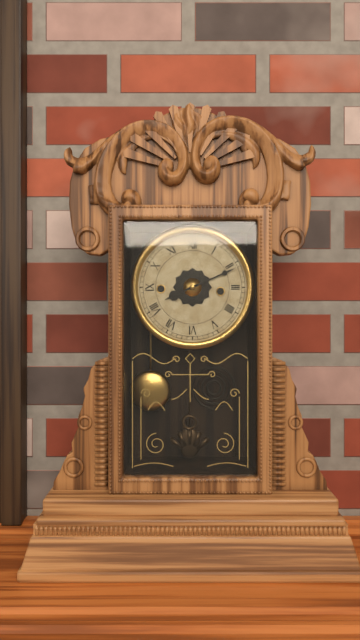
8 h 11 min
